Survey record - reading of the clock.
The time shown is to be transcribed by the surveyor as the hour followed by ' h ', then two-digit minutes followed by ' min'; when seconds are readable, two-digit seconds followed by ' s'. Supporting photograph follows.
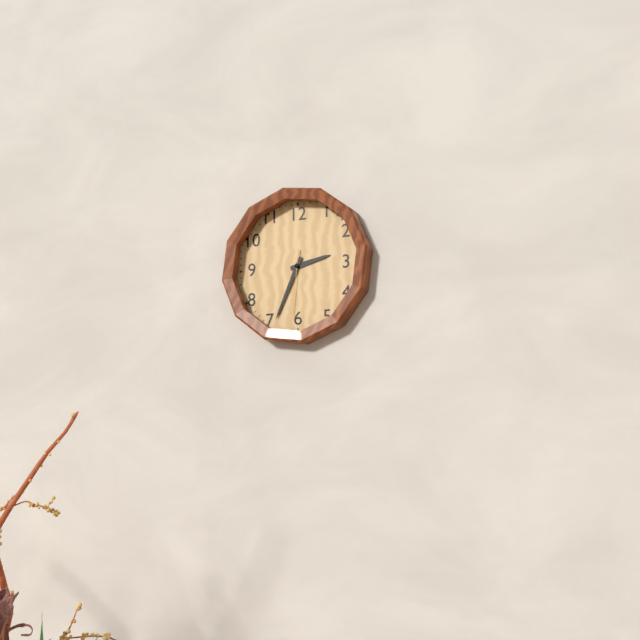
2 h 34 min 31 s
